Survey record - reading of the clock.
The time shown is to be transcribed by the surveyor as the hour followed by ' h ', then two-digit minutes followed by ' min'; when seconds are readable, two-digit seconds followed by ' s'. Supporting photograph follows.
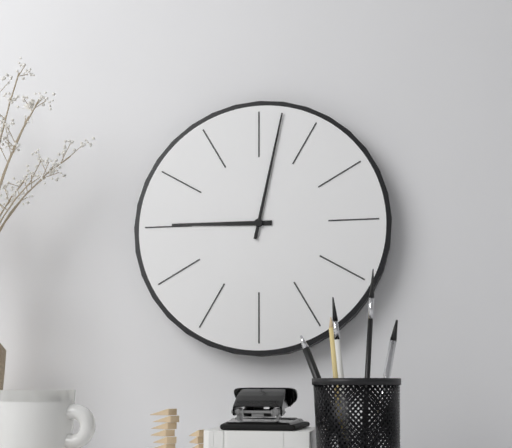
9 h 02 min
